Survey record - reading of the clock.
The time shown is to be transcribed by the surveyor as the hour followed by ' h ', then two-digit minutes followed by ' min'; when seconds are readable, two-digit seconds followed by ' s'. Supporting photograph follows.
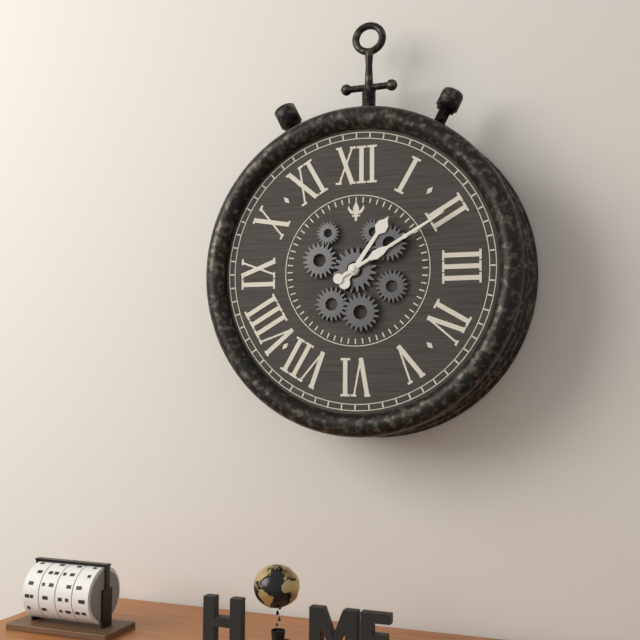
1 h 10 min
